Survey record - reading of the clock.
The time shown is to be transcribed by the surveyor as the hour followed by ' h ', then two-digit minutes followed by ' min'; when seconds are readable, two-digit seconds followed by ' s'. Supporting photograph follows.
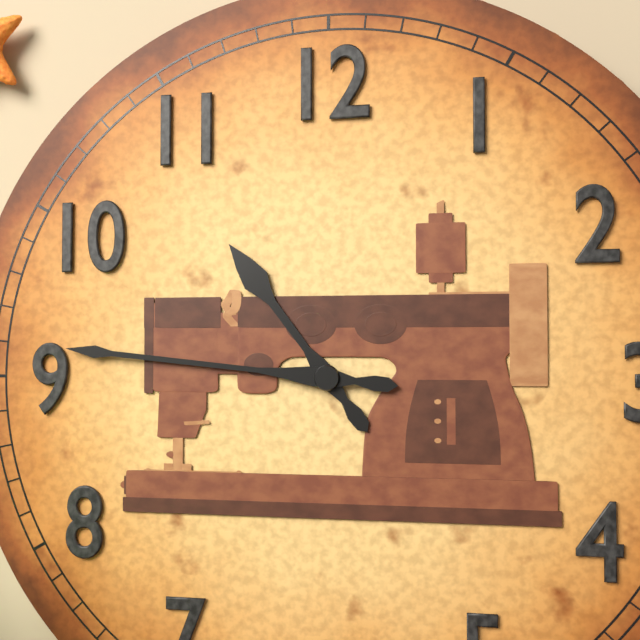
10 h 46 min
